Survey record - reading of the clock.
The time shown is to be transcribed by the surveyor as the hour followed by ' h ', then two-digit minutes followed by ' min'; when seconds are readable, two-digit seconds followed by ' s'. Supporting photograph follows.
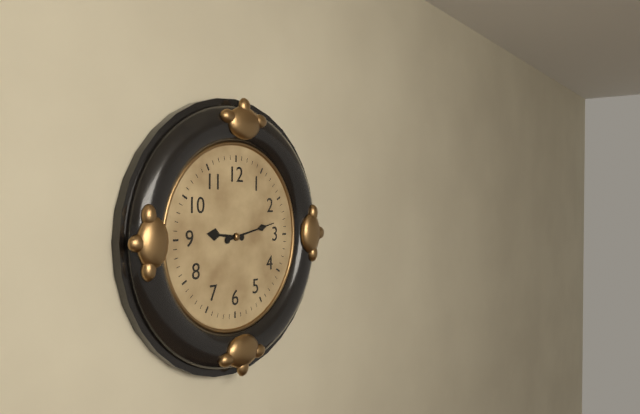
9 h 13 min
